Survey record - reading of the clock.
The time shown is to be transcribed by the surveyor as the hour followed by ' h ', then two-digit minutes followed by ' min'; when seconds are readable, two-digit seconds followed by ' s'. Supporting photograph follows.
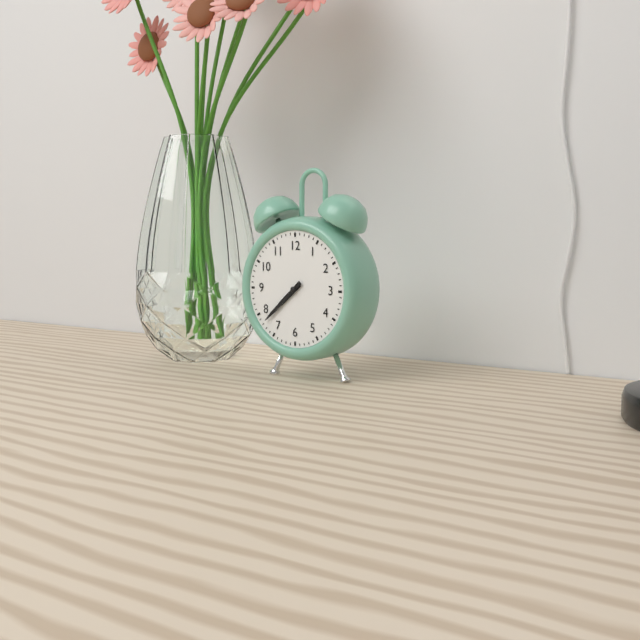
7 h 38 min
